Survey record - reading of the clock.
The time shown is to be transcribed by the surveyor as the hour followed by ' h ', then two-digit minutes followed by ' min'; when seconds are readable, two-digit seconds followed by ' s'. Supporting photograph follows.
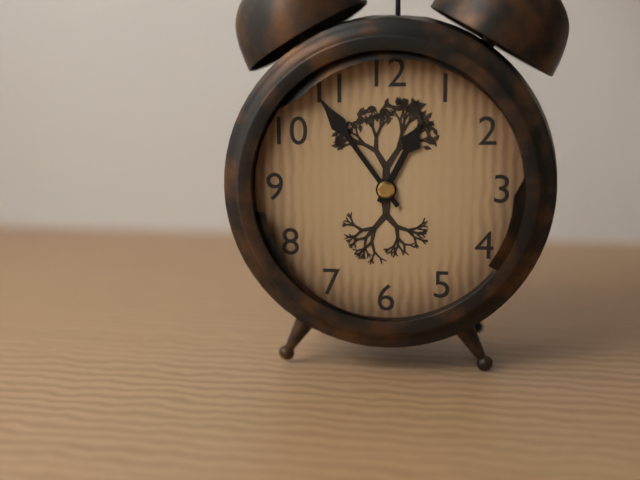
12 h 54 min
